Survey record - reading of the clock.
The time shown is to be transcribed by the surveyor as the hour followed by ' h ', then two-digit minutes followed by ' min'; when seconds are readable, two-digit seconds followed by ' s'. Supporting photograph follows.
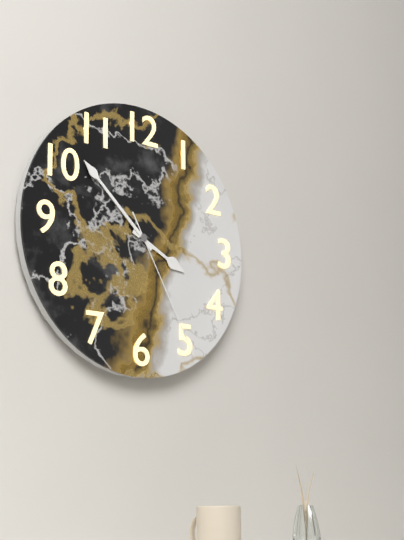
3 h 52 min 25 s
